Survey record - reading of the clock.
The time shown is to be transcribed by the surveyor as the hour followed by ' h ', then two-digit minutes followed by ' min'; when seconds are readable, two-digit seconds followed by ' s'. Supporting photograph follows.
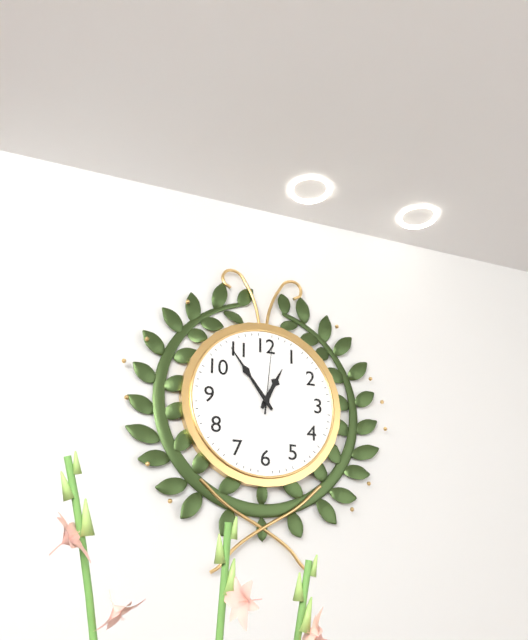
12 h 54 min 01 s
